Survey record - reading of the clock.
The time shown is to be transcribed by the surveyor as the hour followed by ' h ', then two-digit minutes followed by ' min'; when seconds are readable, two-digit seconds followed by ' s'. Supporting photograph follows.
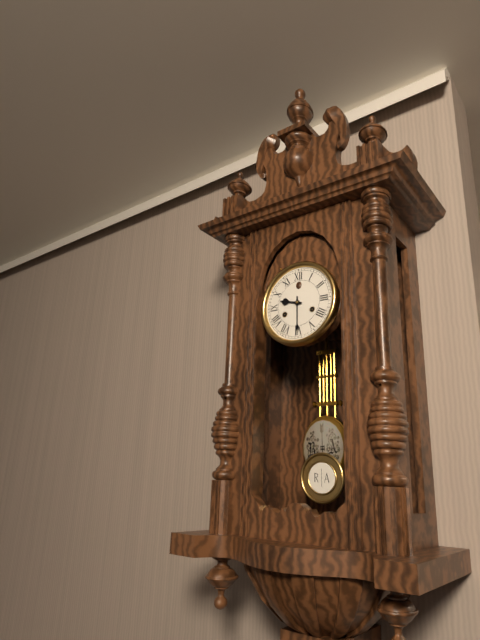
9 h 30 min
